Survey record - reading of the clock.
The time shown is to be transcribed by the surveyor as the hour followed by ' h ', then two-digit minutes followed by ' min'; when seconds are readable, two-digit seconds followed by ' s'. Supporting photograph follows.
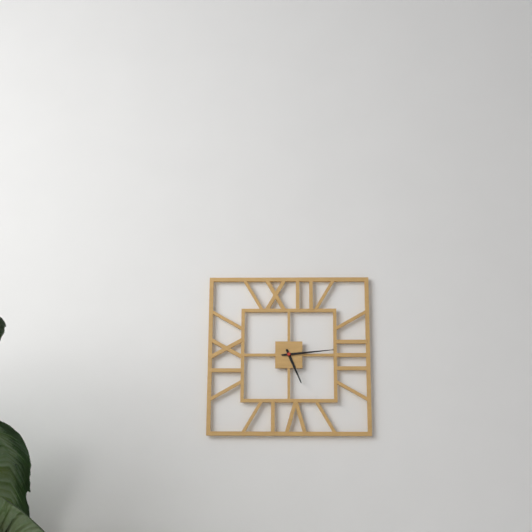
5 h 14 min
